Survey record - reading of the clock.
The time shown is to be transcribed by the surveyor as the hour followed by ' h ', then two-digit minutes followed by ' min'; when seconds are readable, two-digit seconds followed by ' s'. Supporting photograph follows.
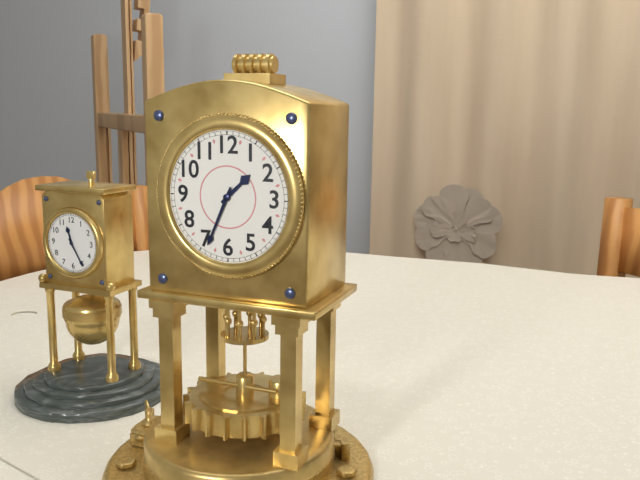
1 h 34 min
